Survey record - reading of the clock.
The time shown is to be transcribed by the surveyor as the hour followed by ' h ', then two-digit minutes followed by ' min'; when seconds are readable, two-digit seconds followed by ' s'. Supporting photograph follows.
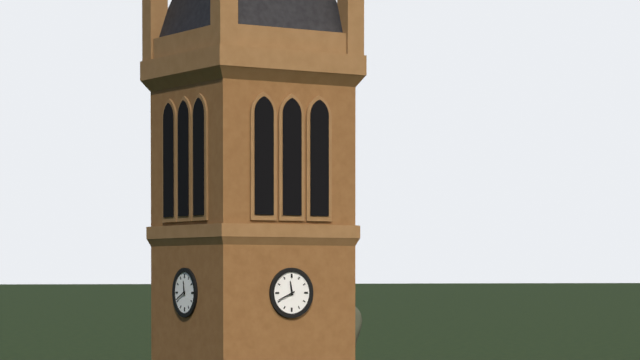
11 h 41 min
